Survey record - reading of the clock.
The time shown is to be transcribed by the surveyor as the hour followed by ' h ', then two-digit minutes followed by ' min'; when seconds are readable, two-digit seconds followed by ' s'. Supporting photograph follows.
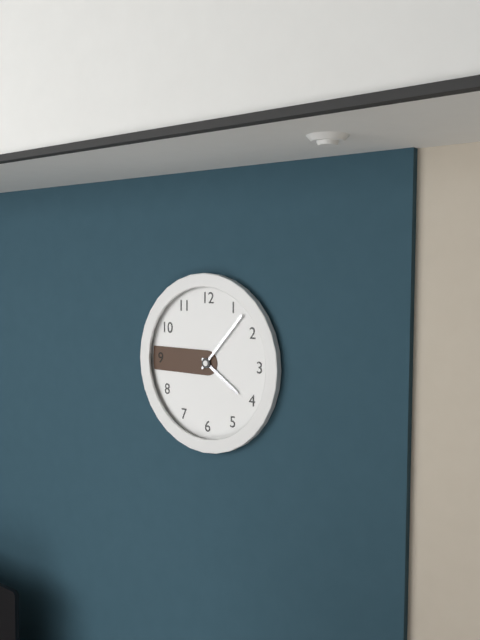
4 h 07 min
